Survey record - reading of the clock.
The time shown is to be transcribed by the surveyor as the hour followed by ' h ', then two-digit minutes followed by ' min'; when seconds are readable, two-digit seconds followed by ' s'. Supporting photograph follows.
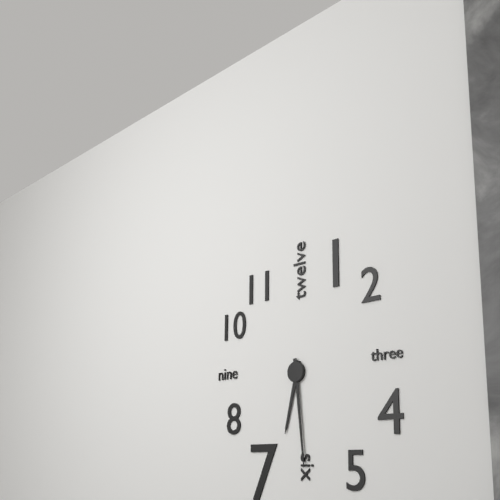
6 h 29 min
